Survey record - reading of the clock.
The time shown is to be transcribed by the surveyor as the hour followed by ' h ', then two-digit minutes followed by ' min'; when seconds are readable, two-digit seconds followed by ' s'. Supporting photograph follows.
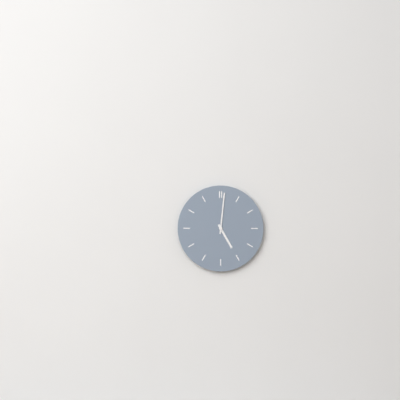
5 h 01 min
